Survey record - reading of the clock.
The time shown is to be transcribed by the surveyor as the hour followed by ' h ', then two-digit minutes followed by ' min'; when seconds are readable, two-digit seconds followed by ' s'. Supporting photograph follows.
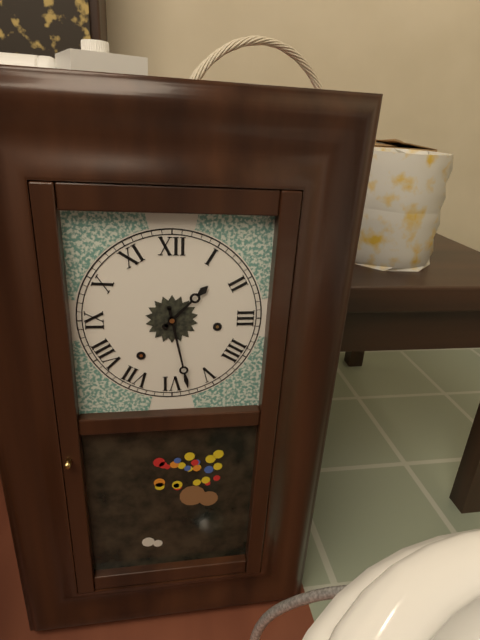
1 h 28 min
